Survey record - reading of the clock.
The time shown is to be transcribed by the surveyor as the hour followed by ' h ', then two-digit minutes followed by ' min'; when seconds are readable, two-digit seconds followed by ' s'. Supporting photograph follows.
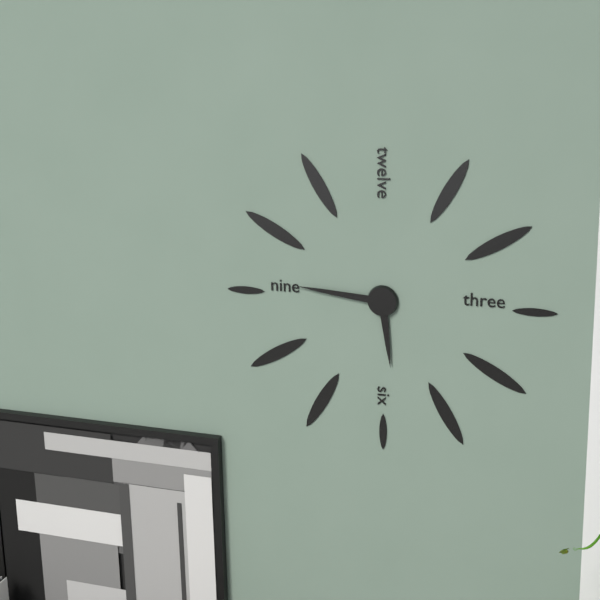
5 h 46 min
